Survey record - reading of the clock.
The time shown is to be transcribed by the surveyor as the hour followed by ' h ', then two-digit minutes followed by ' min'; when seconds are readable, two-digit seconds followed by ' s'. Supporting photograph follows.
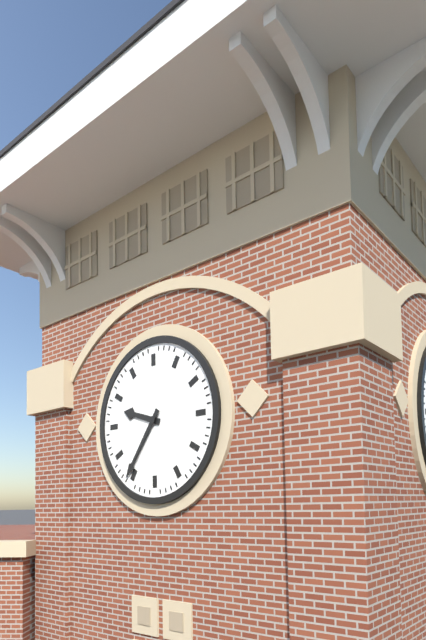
9 h 36 min
